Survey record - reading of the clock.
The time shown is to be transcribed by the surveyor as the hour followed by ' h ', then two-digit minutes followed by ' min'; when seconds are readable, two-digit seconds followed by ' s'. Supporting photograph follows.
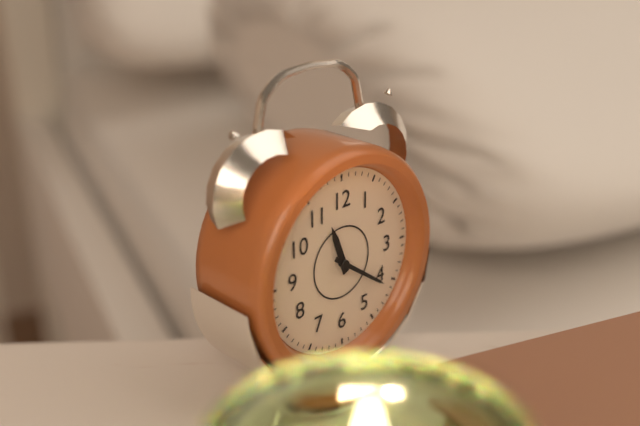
11 h 21 min
